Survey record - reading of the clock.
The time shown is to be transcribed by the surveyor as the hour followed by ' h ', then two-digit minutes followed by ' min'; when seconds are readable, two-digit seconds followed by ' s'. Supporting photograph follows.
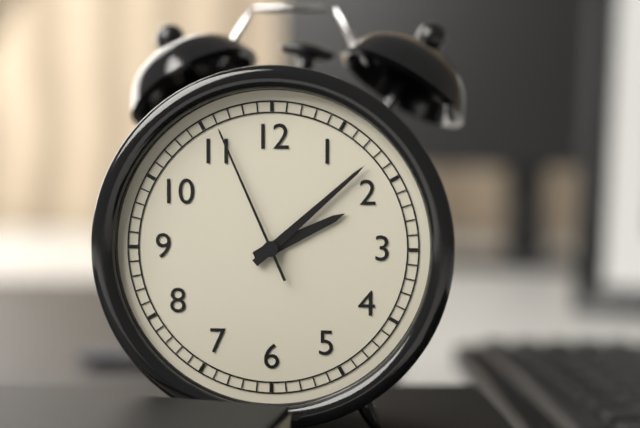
2 h 08 min 56 s
